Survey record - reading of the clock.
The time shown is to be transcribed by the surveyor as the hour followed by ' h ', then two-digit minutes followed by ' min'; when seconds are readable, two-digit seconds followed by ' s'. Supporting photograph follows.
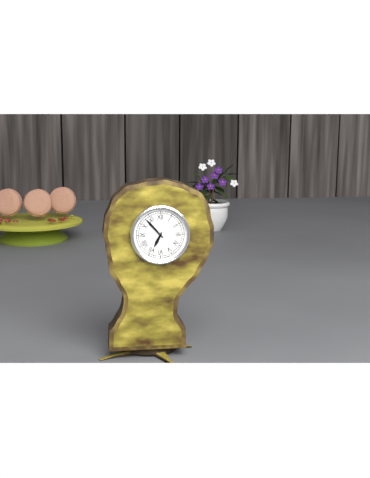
6 h 53 min
